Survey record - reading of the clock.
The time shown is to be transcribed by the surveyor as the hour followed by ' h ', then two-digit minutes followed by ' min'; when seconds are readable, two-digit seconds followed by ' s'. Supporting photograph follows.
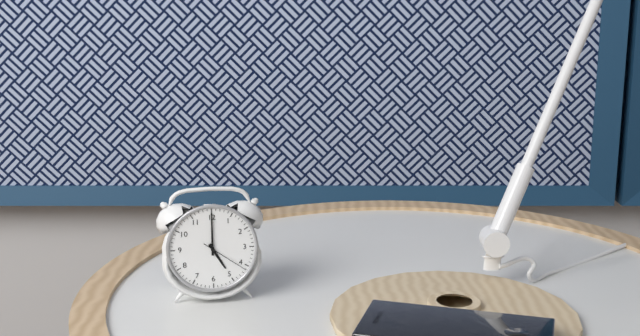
5 h 00 min
